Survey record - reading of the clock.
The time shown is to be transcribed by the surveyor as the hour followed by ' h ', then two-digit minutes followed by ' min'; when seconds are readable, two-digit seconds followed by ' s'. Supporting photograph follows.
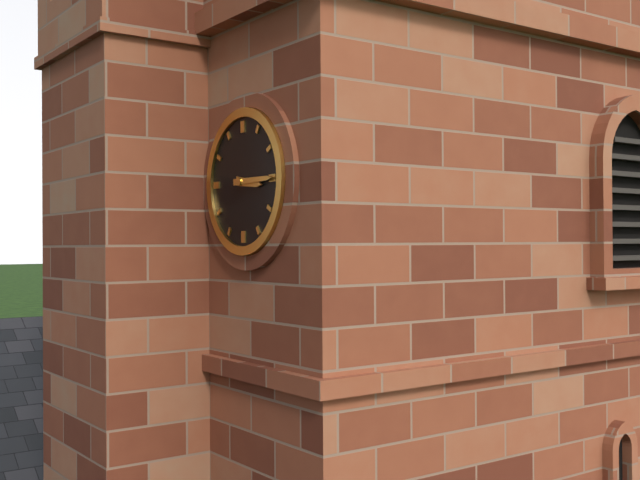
3 h 15 min
